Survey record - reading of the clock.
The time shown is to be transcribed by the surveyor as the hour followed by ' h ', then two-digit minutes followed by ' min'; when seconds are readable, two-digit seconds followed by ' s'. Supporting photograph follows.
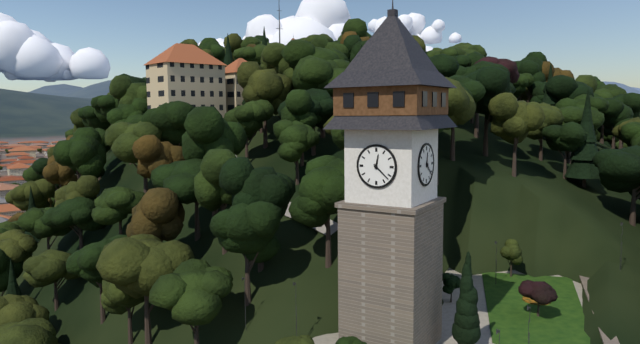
12 h 22 min
